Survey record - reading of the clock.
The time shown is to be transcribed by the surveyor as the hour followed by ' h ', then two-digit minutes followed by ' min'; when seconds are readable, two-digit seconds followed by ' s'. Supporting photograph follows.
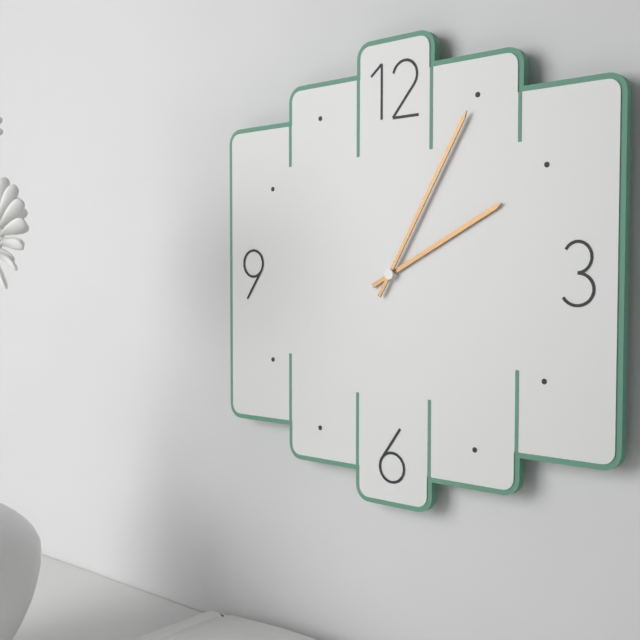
2 h 05 min
